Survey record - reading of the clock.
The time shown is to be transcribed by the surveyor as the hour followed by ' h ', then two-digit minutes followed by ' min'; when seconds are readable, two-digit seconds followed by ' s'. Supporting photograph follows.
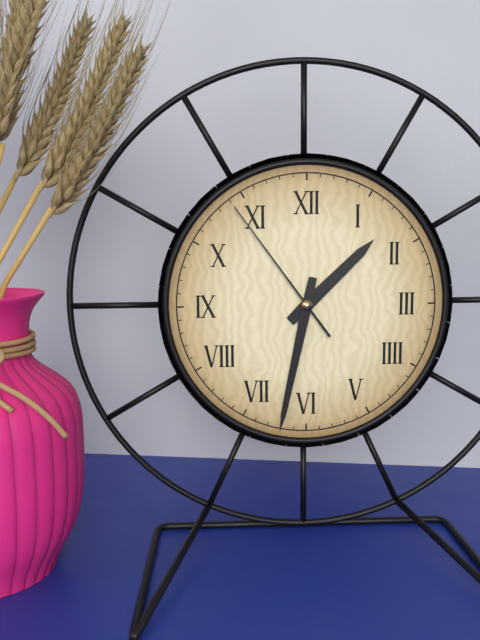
1 h 32 min 54 s
